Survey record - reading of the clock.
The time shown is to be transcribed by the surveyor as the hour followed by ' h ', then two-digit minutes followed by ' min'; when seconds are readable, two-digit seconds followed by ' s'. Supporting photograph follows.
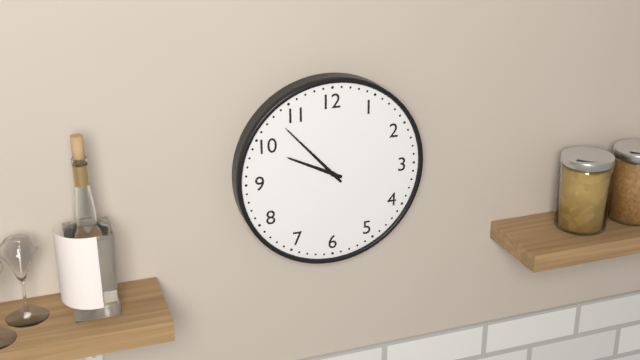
9 h 53 min
